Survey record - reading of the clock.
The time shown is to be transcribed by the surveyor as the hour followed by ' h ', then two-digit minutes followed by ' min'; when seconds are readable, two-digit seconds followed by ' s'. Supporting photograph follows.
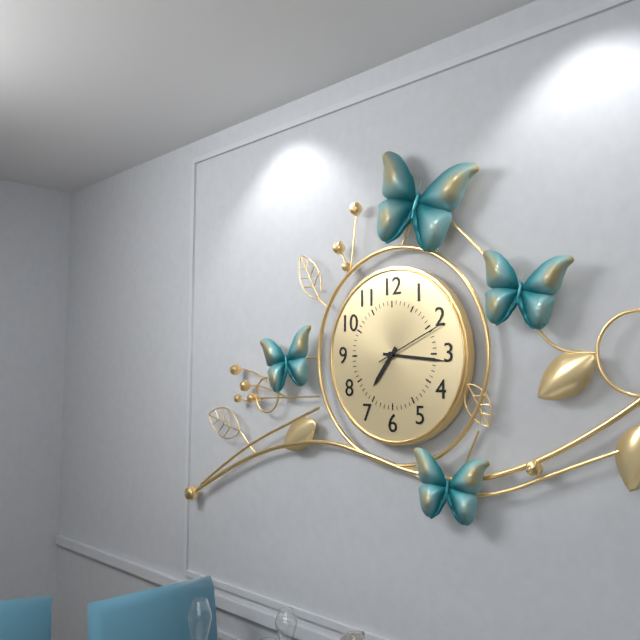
7 h 16 min 11 s
